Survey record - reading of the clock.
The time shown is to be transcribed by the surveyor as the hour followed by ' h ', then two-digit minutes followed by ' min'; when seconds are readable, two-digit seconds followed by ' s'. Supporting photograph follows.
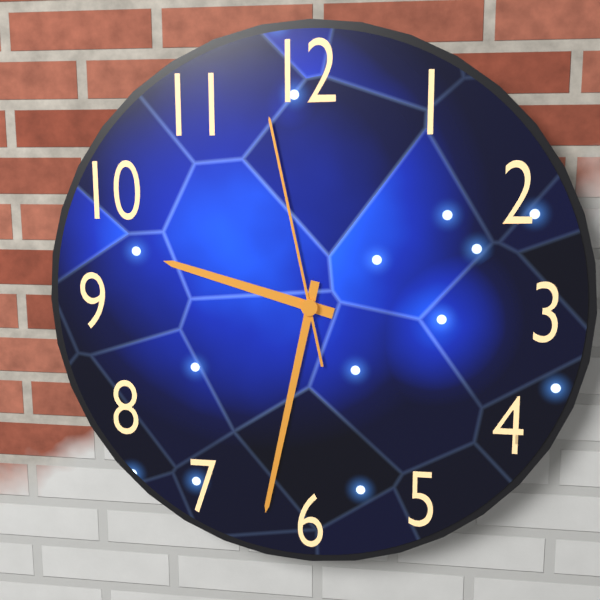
9 h 32 min 58 s
